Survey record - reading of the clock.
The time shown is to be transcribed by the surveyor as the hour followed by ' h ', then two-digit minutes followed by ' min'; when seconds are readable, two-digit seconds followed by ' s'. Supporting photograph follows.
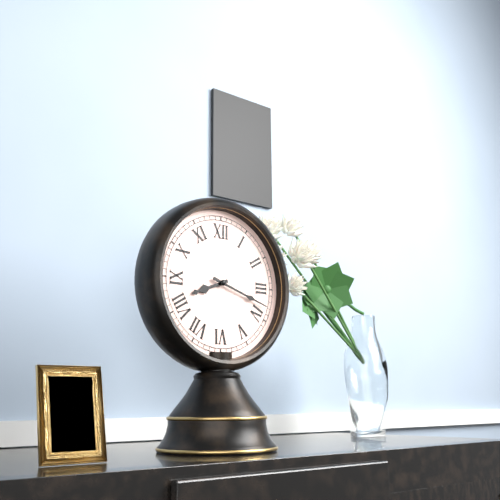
8 h 18 min
